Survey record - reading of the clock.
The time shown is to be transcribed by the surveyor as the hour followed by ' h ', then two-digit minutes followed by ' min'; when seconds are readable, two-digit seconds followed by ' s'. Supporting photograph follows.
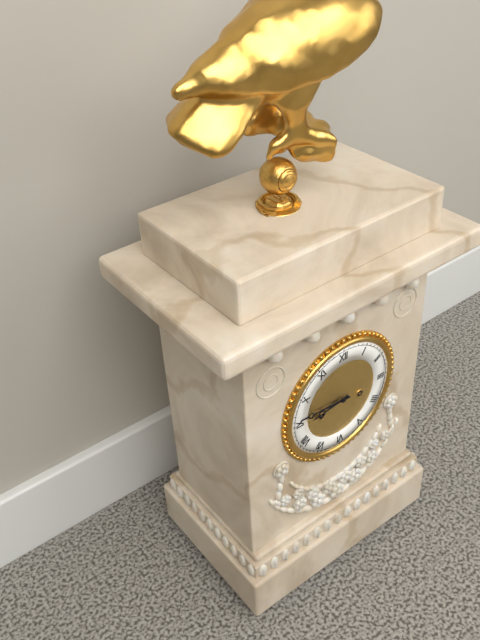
8 h 46 min
